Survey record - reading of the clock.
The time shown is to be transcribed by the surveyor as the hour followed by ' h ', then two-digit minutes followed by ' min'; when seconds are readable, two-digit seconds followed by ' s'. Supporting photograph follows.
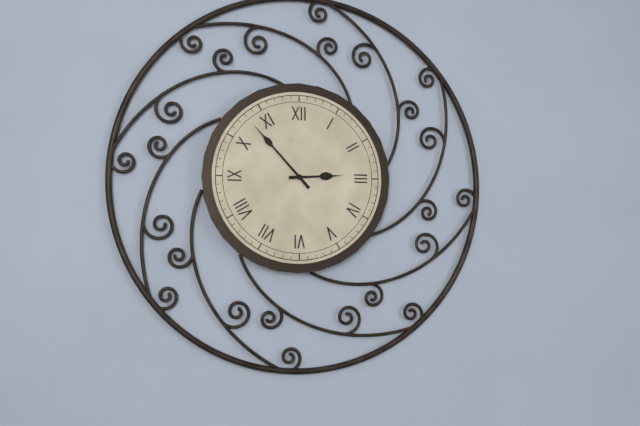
2 h 53 min
